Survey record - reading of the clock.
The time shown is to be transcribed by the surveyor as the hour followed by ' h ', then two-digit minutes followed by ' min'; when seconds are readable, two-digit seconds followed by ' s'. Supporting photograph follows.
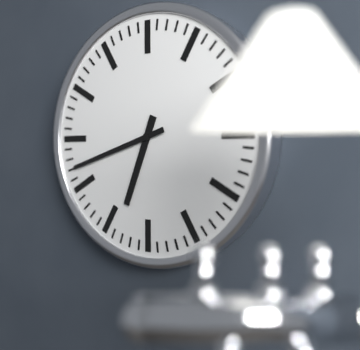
6 h 42 min
